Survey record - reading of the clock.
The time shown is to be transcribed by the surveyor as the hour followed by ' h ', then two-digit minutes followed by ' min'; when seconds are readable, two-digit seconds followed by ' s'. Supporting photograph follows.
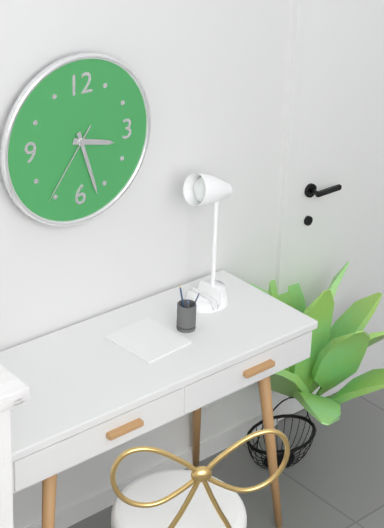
3 h 27 min 36 s
